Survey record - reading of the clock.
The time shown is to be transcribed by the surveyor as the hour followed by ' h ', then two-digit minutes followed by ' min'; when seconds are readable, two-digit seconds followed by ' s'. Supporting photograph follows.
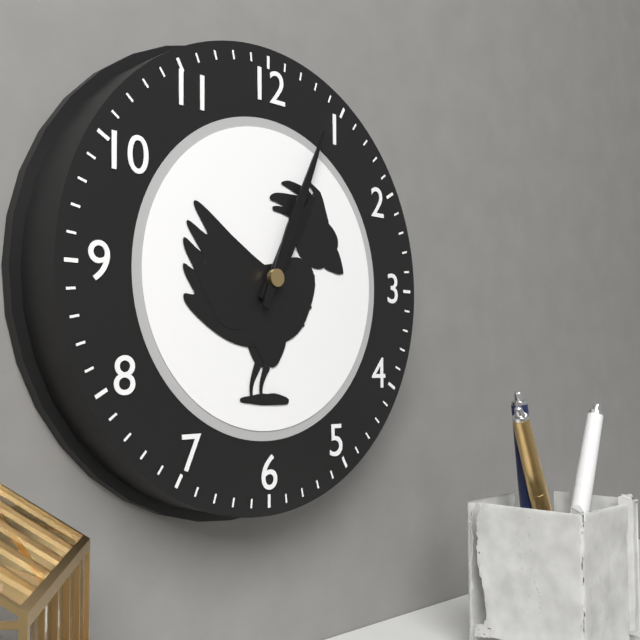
1 h 04 min
